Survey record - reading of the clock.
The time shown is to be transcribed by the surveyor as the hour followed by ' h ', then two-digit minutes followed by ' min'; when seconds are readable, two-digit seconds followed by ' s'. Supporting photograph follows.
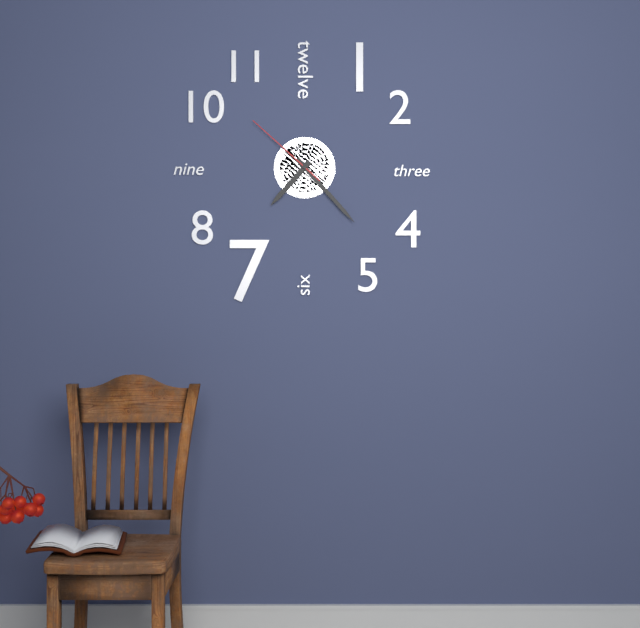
7 h 23 min 52 s
